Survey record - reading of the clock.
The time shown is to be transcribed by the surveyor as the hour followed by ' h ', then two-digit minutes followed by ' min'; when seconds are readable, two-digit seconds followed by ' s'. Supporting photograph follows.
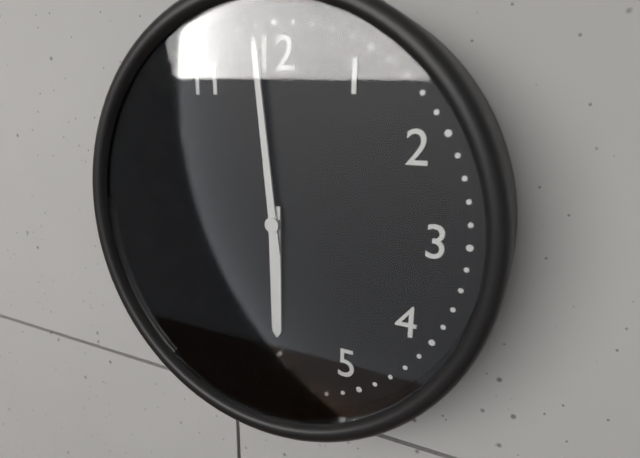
5 h 59 min
